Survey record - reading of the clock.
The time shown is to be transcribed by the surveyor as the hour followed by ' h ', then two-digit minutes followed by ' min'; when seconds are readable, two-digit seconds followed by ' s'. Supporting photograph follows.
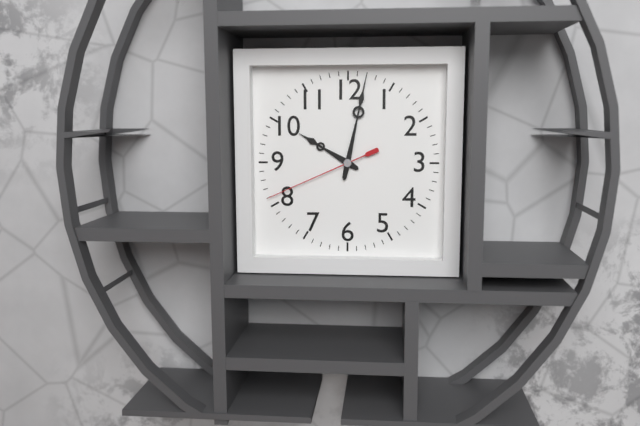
10 h 02 min 41 s
